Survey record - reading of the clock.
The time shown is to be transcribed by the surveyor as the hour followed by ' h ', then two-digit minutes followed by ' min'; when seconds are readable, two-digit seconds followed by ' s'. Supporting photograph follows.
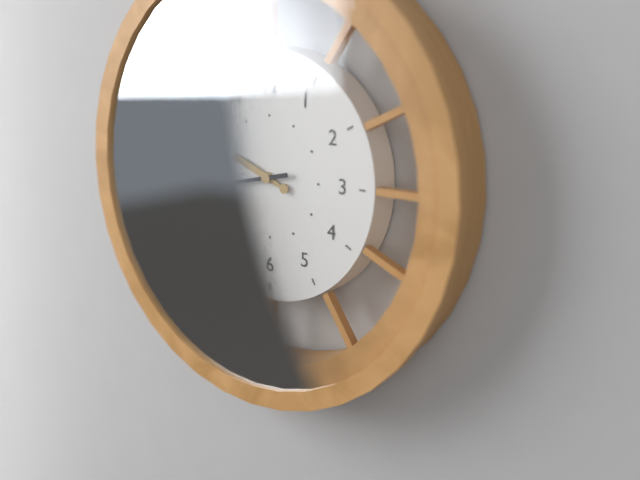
9 h 43 min
